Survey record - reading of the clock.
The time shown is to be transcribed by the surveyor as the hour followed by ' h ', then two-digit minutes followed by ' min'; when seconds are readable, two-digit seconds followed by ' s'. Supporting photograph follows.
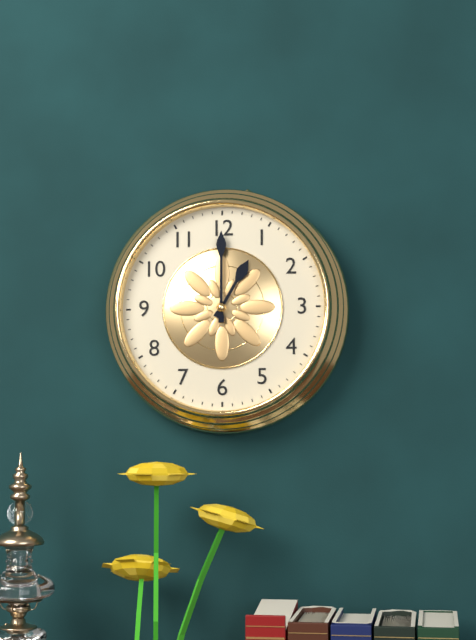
1 h 00 min
